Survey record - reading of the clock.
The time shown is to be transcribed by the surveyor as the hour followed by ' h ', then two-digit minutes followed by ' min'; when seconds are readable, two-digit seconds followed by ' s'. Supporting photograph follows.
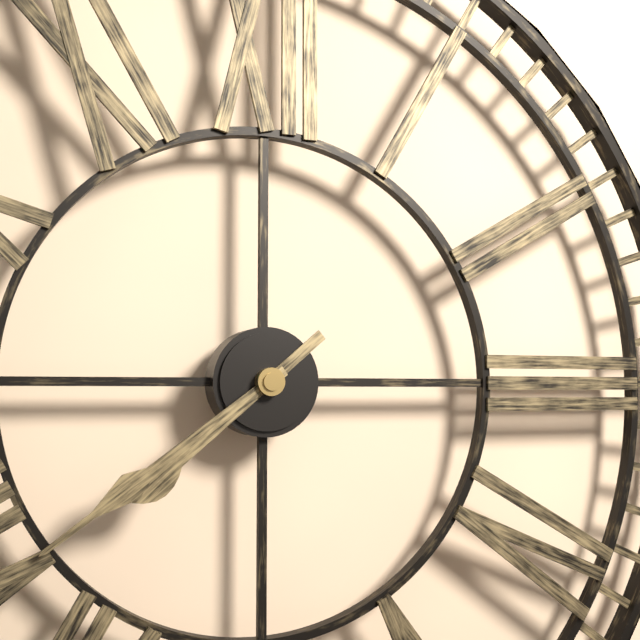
7 h 39 min
